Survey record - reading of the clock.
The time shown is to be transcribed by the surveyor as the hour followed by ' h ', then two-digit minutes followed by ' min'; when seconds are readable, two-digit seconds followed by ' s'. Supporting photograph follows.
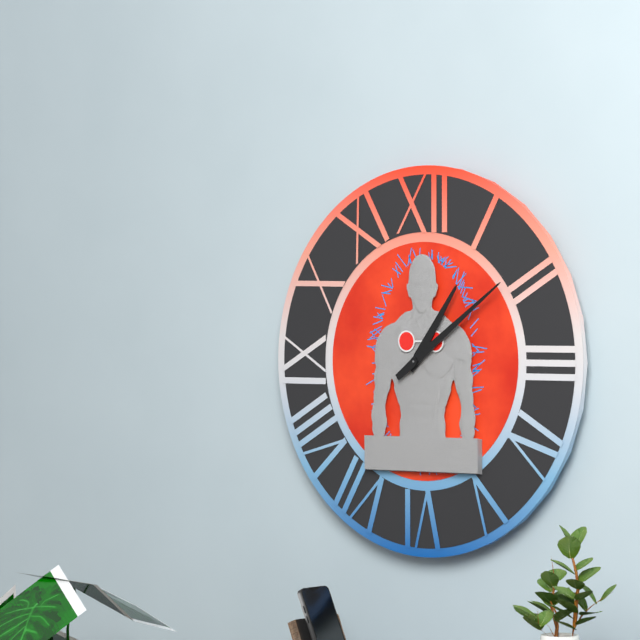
1 h 09 min
